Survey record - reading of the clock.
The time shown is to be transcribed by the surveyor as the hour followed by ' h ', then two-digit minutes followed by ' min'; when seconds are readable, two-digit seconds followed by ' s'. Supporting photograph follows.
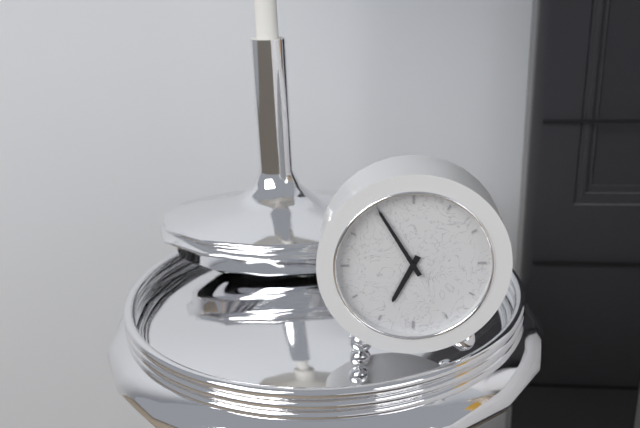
6 h 55 min
